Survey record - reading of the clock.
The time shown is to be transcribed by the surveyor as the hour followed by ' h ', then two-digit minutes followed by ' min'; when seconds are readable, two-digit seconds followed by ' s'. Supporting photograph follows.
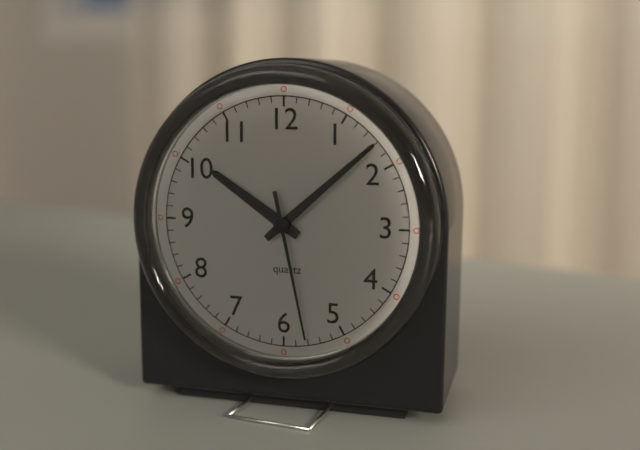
10 h 08 min 28 s
